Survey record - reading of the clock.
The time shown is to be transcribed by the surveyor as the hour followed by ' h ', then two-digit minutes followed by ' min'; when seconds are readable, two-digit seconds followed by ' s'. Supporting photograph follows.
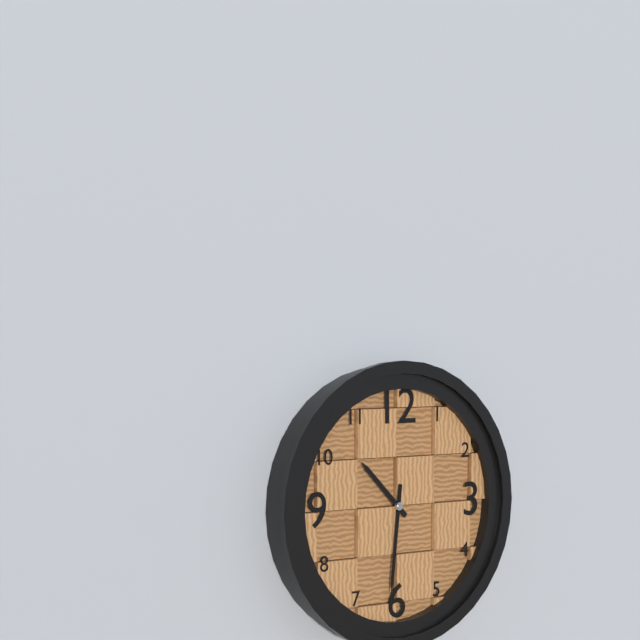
10 h 31 min
